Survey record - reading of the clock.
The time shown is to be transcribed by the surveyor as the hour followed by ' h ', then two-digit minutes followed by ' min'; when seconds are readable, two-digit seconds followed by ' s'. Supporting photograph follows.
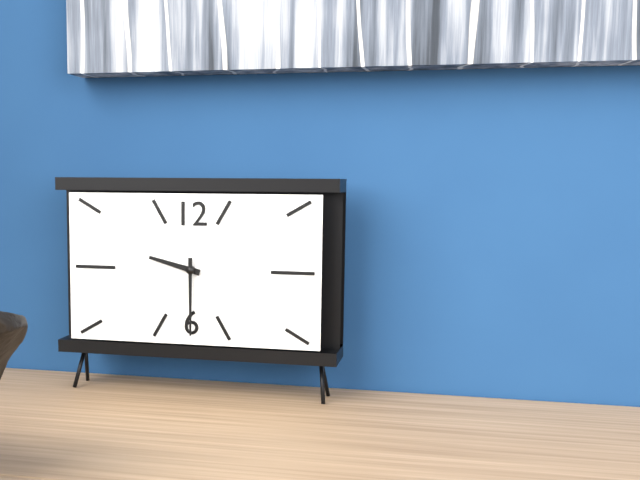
9 h 30 min
